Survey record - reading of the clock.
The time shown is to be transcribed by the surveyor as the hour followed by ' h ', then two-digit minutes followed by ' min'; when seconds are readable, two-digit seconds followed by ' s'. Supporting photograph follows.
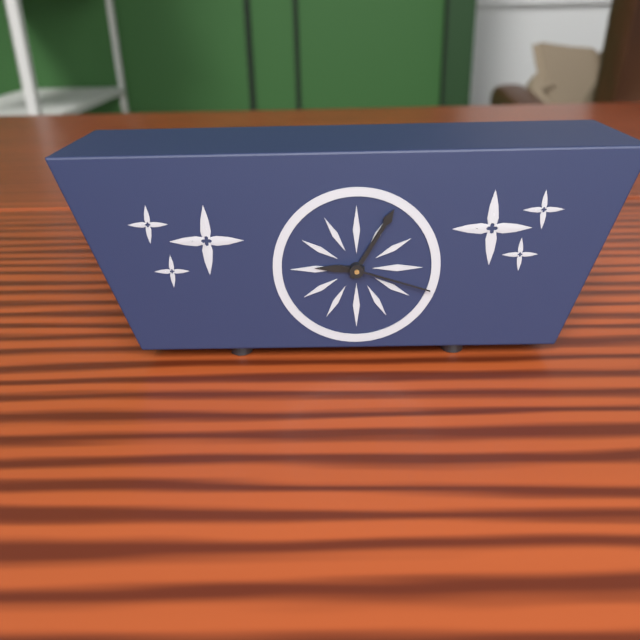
9 h 05 min 18 s
